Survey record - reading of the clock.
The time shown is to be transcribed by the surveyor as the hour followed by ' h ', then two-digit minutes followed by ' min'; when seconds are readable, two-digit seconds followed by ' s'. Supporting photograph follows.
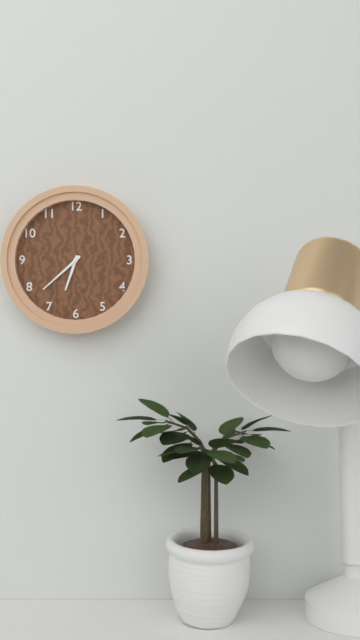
6 h 38 min
